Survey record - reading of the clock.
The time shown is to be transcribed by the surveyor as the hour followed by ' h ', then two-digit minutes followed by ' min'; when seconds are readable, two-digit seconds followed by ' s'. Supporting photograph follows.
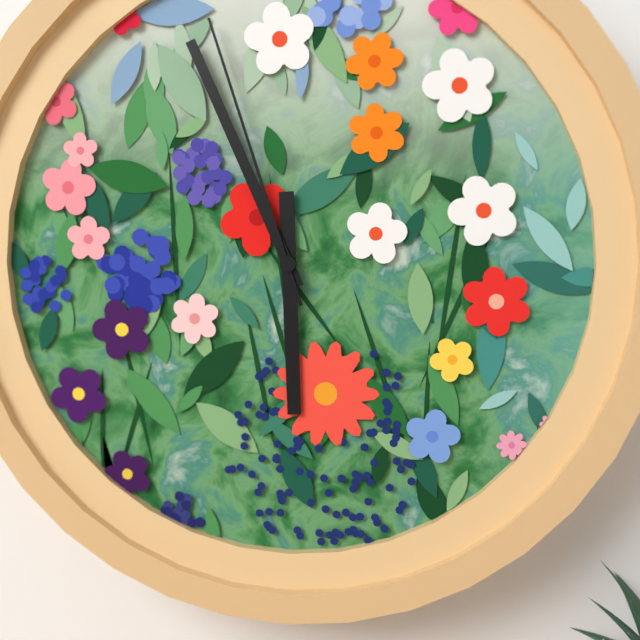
5 h 56 min 57 s
